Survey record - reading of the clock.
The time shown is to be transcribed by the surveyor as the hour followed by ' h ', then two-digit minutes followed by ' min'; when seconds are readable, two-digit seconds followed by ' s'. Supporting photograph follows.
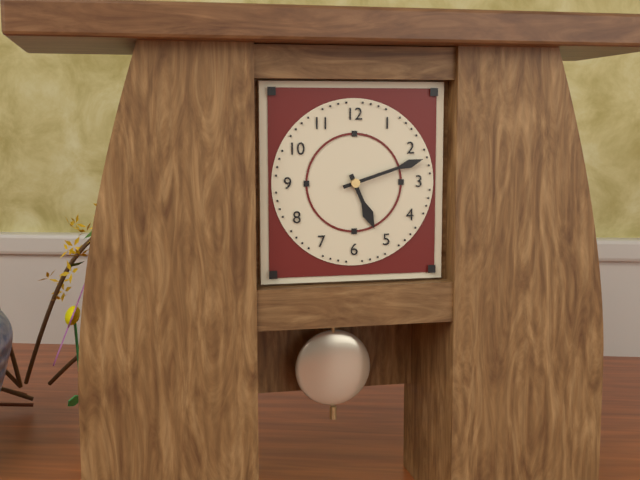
5 h 12 min
